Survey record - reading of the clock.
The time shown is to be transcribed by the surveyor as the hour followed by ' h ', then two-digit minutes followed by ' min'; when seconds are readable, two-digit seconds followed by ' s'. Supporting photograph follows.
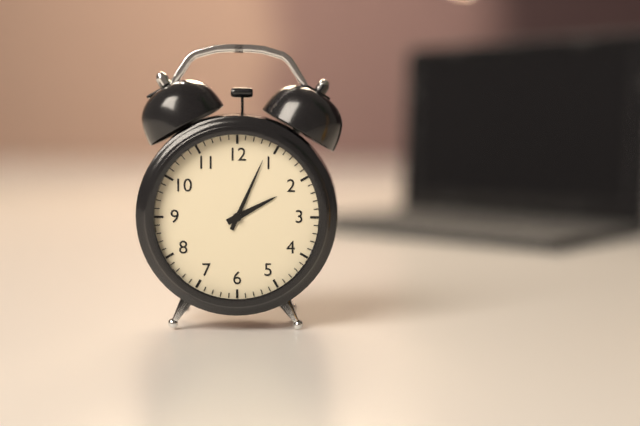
2 h 04 min
